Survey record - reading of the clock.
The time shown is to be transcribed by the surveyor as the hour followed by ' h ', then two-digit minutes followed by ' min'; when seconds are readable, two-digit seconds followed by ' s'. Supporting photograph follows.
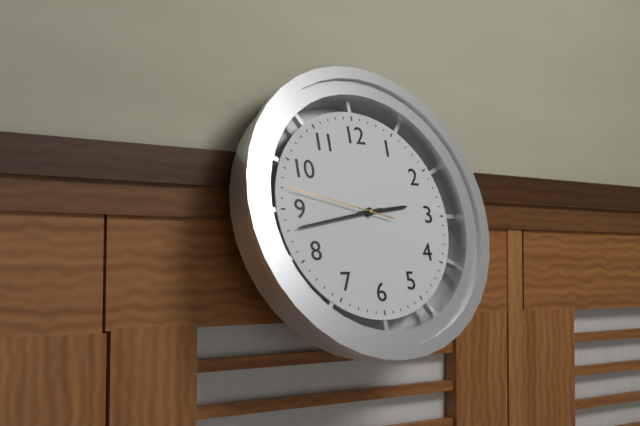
2 h 43 min 47 s
